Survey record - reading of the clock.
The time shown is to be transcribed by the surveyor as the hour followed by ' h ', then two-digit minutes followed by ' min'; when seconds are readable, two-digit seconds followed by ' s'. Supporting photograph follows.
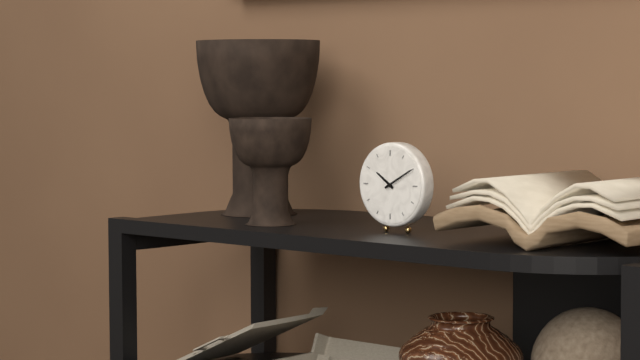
10 h 10 min
